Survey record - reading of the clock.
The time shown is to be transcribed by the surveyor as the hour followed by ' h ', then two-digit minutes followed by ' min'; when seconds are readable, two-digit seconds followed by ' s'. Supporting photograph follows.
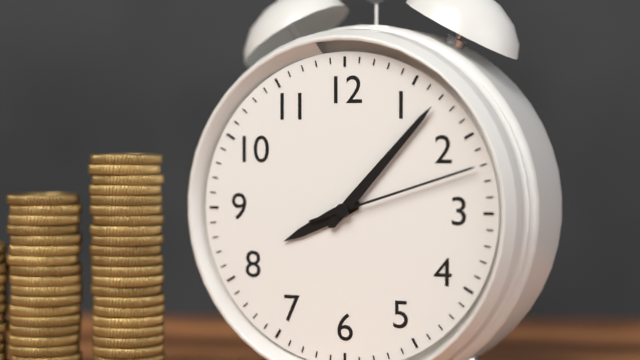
8 h 07 min 12 s
